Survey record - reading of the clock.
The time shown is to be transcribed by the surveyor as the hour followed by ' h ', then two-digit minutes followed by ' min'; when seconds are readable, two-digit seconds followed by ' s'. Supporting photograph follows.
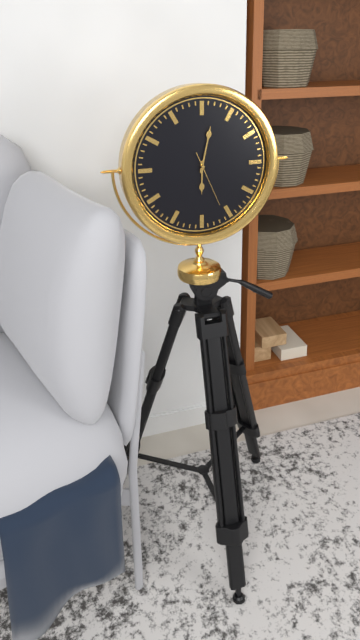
6 h 02 min 26 s
